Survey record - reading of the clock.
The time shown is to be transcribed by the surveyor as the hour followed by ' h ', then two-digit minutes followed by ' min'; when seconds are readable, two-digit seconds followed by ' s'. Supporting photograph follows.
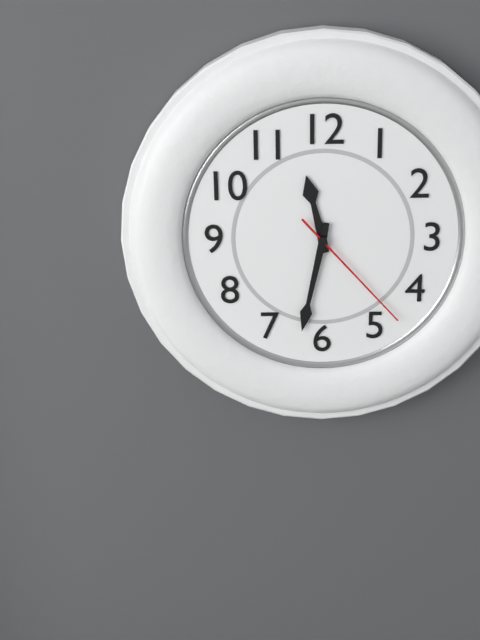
11 h 32 min 23 s
